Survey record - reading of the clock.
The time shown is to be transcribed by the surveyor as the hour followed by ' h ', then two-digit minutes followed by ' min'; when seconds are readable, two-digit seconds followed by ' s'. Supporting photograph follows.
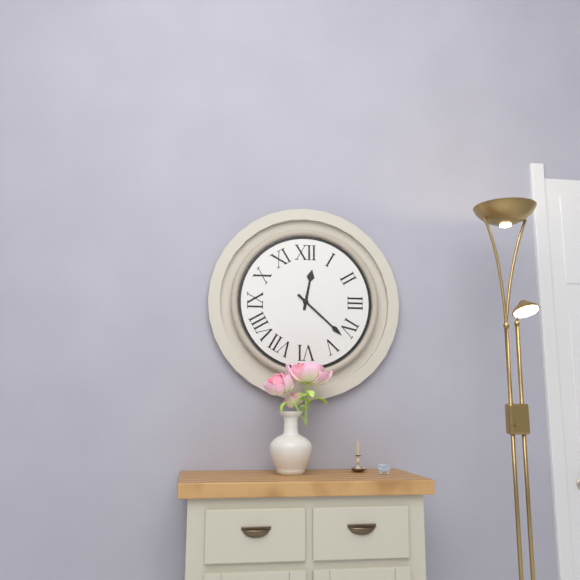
12 h 22 min
